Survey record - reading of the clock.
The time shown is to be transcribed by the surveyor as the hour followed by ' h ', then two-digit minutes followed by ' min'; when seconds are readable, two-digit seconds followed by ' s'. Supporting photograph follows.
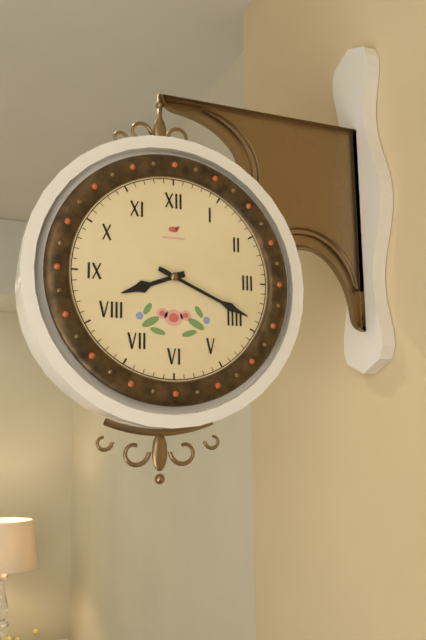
8 h 19 min
